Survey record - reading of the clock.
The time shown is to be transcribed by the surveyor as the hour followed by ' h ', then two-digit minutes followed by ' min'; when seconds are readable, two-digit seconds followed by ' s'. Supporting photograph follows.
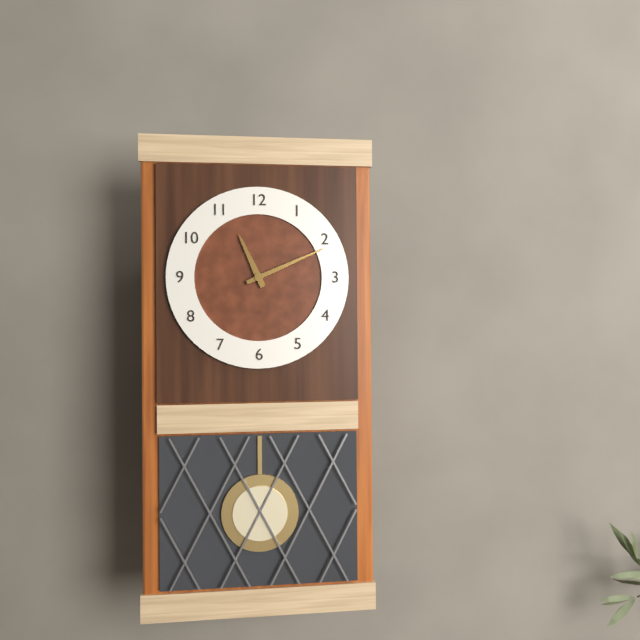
11 h 11 min
